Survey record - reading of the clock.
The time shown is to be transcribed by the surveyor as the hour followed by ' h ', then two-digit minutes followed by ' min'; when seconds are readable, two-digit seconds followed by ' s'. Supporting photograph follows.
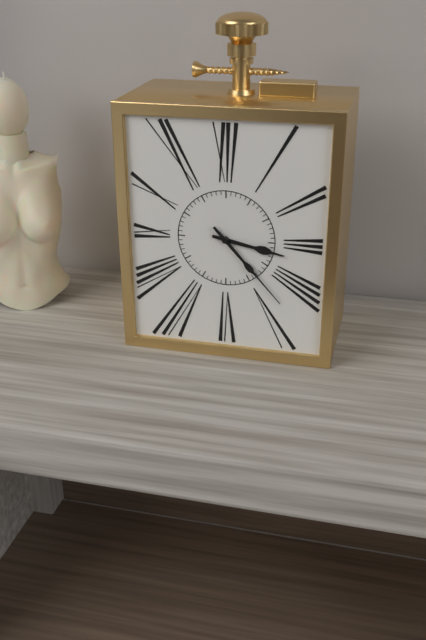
3 h 23 min
